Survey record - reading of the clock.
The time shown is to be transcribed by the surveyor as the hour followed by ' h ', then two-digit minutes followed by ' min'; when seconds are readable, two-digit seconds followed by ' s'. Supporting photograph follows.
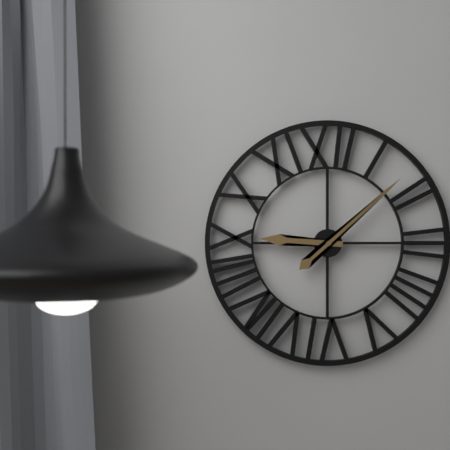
9 h 08 min
